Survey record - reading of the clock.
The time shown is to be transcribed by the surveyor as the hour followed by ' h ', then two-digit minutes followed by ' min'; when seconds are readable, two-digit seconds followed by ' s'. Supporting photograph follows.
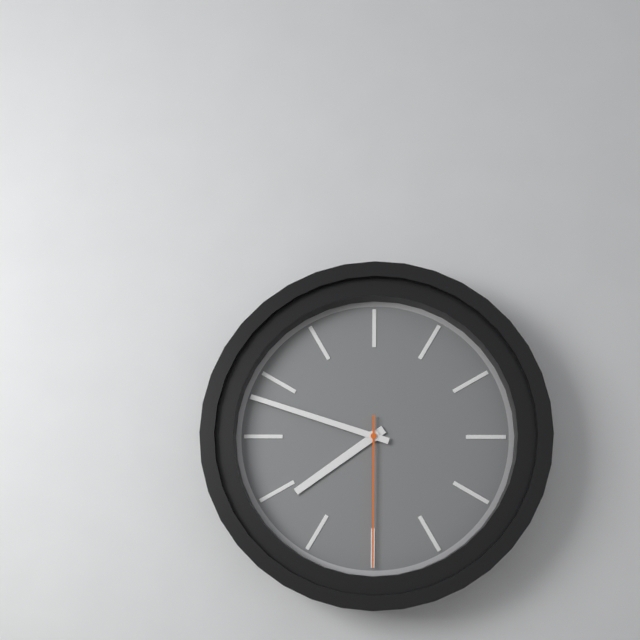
7 h 48 min 30 s
